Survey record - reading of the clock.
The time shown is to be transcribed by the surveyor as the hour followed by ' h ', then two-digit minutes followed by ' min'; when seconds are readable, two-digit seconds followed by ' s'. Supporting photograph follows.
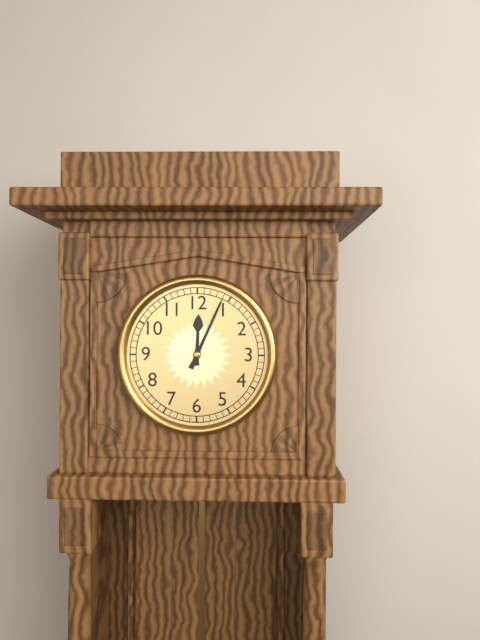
12 h 04 min
